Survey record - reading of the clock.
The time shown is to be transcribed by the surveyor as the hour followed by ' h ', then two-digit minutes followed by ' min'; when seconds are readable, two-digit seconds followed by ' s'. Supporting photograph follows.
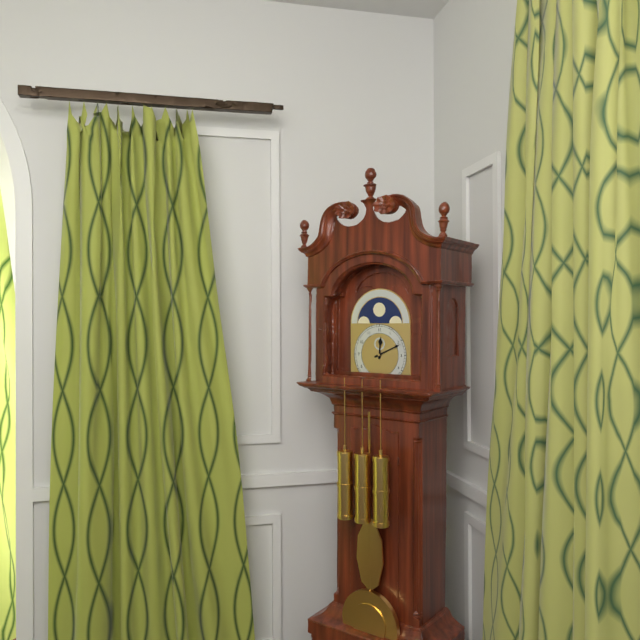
12 h 11 min
